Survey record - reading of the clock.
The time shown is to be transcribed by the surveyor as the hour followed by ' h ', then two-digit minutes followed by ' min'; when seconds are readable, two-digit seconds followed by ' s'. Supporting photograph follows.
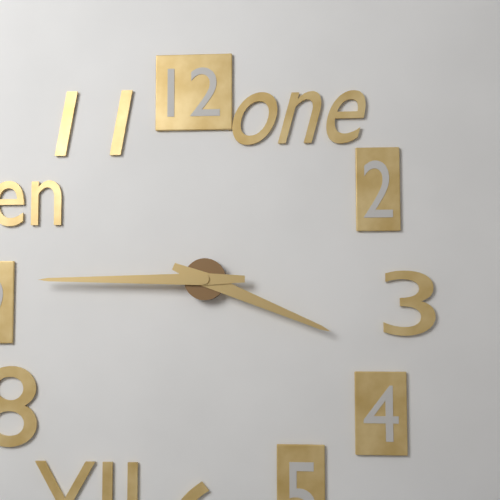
3 h 45 min
